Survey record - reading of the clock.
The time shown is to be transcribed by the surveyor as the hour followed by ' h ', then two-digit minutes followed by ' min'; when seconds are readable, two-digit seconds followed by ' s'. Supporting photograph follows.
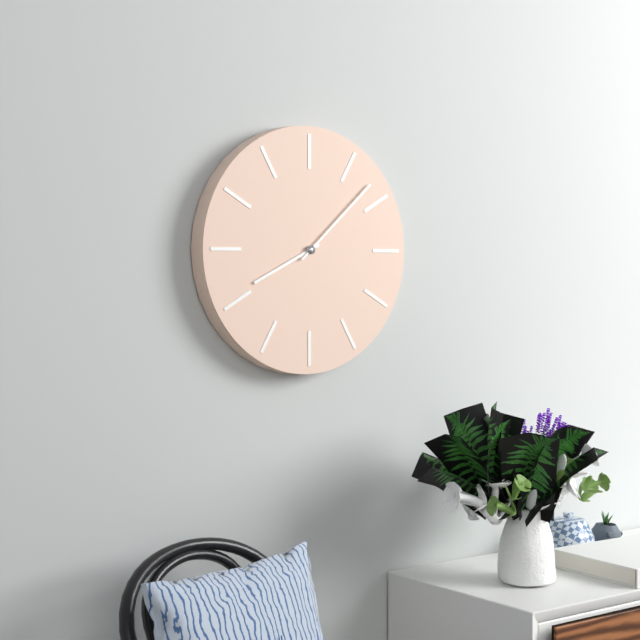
8 h 08 min
